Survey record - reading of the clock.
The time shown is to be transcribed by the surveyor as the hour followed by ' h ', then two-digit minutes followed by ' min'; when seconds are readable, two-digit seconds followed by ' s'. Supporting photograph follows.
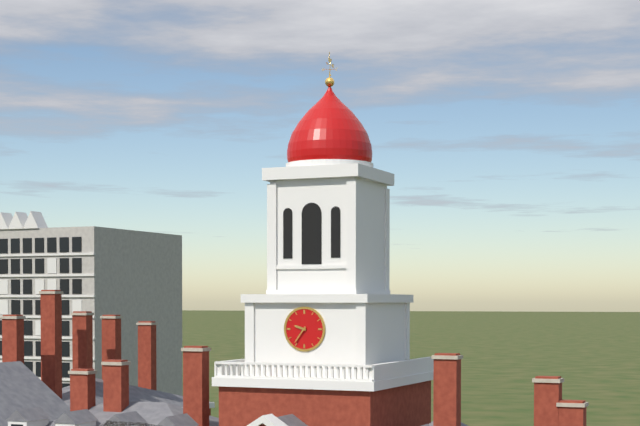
9 h 36 min
